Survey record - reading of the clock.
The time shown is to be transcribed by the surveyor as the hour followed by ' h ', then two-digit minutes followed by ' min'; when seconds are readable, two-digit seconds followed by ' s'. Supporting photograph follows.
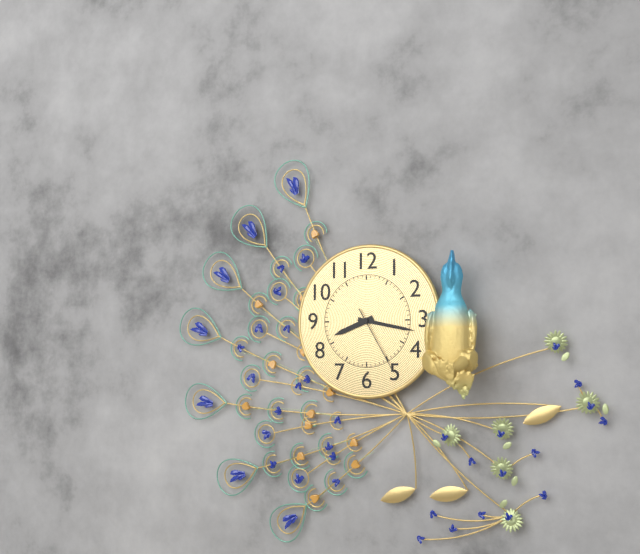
8 h 17 min 25 s
